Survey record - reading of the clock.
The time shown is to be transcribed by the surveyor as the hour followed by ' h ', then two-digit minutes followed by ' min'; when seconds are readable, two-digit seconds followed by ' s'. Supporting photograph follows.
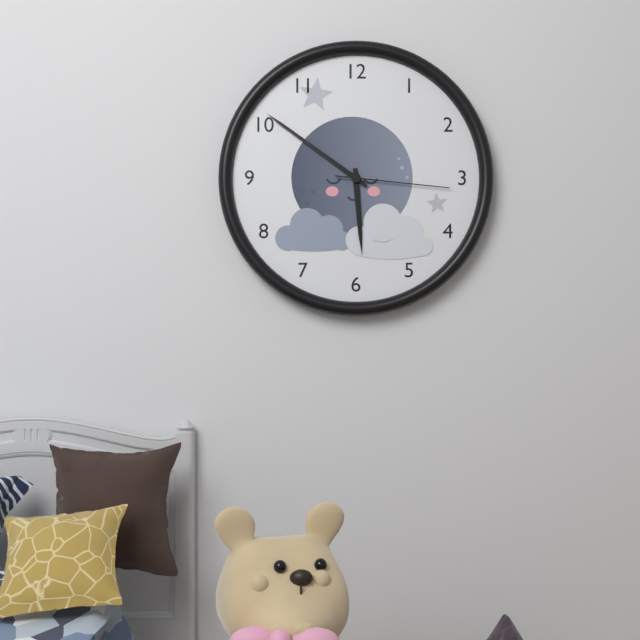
5 h 51 min 16 s
